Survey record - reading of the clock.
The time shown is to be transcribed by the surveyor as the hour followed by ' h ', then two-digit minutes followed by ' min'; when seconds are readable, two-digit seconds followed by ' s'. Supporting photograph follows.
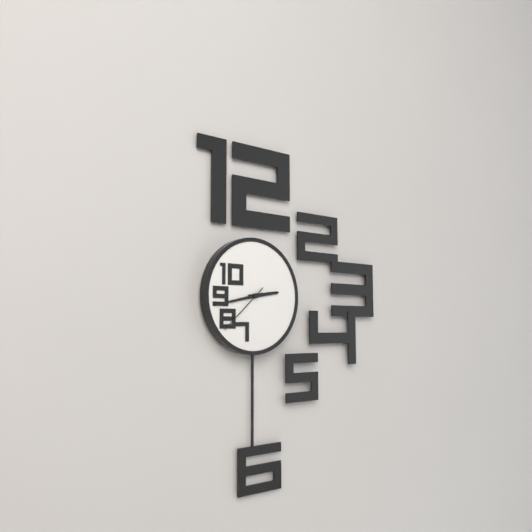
2 h 43 min 38 s
